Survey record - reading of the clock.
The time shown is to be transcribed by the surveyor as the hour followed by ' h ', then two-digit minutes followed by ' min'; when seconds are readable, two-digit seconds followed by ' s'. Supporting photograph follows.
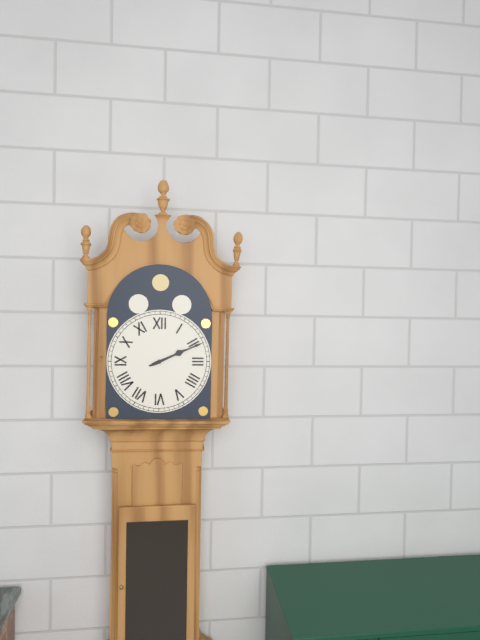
2 h 11 min
